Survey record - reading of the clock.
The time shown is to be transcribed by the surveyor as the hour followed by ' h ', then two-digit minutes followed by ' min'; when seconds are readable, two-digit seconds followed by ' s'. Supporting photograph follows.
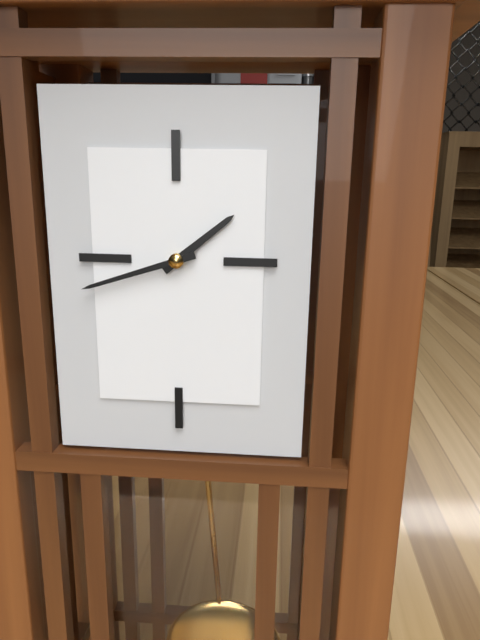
1 h 42 min
